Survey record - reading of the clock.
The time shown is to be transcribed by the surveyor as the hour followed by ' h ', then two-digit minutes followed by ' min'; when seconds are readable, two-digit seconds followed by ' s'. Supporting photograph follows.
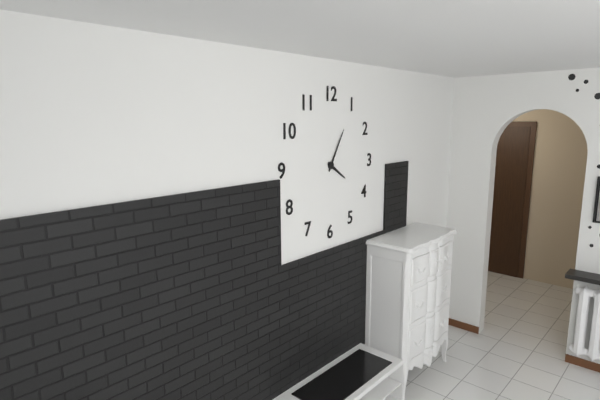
4 h 05 min
